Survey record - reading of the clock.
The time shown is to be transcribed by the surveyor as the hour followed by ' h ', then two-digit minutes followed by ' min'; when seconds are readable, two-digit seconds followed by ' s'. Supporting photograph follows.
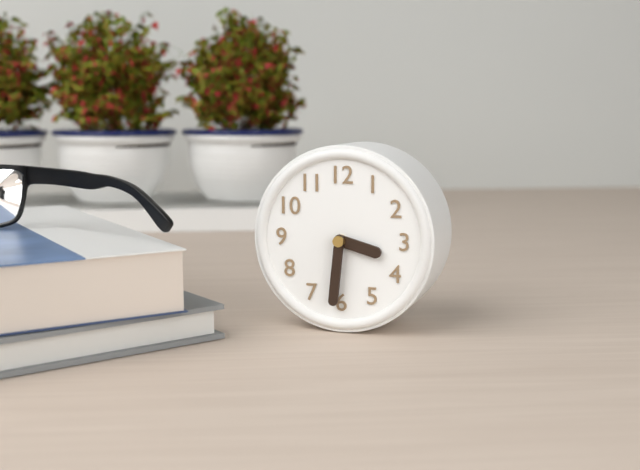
3 h 31 min
